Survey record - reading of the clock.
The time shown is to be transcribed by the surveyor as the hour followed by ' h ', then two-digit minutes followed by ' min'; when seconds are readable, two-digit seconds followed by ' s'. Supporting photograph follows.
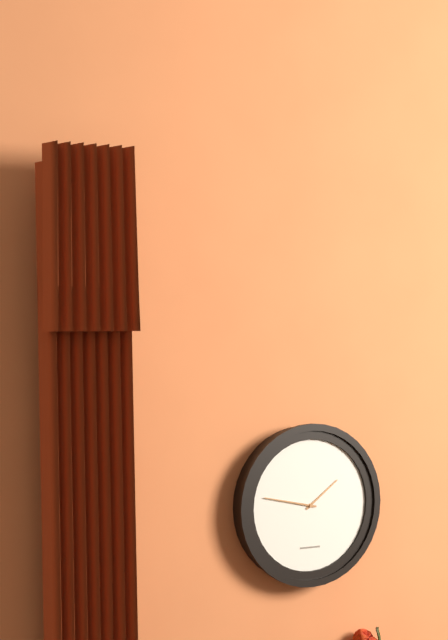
1 h 47 min
